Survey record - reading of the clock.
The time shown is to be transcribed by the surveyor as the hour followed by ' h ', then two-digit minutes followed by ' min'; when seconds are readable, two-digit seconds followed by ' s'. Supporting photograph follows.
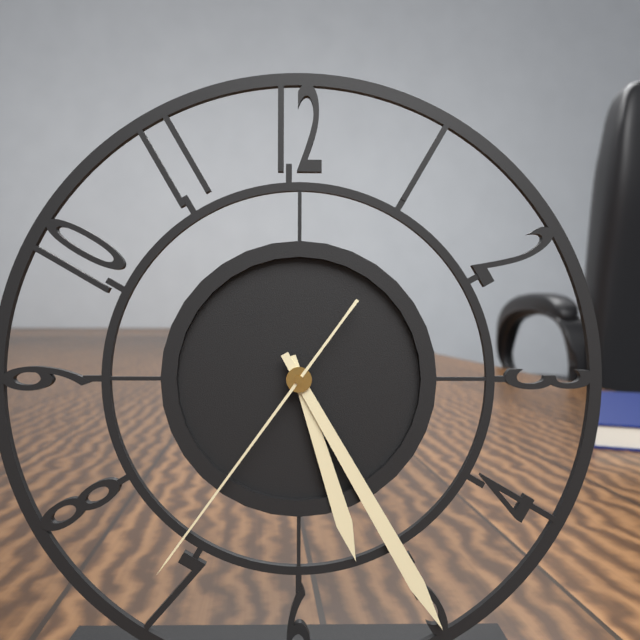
5 h 25 min 36 s
